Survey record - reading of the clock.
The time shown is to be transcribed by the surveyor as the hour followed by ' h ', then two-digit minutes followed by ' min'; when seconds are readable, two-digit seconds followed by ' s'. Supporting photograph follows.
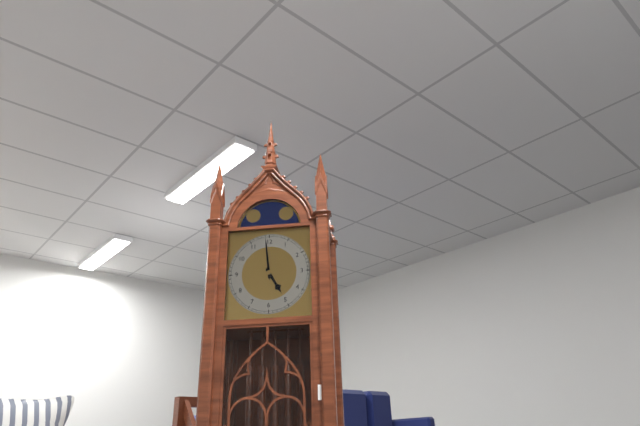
4 h 59 min
